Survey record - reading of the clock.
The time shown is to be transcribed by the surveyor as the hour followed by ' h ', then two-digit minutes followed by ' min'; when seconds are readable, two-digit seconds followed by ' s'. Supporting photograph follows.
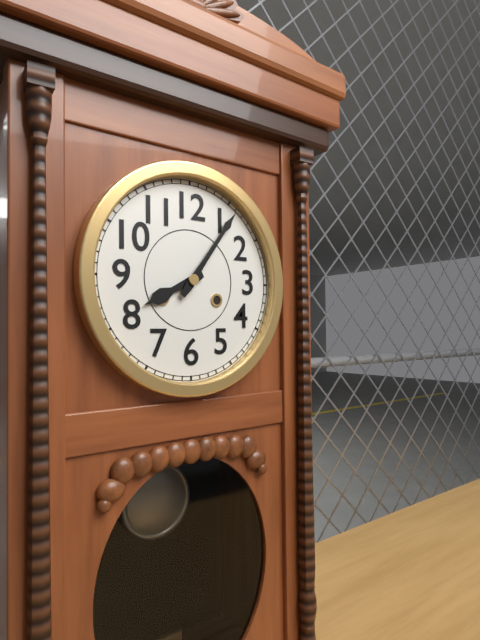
8 h 06 min
